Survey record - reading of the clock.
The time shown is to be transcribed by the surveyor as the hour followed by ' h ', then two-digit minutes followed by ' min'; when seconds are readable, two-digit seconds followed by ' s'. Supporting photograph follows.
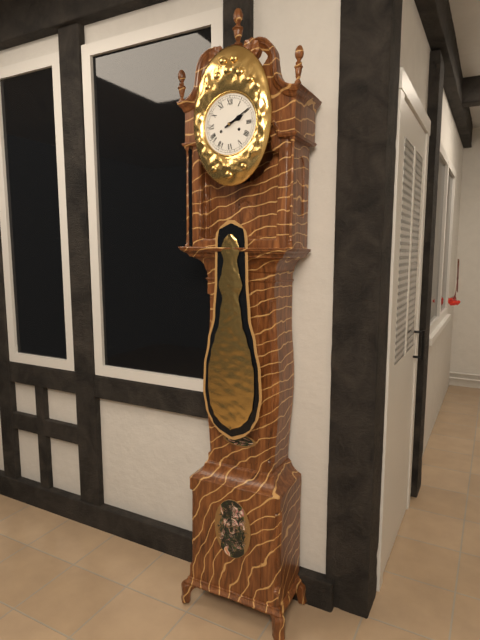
2 h 10 min
